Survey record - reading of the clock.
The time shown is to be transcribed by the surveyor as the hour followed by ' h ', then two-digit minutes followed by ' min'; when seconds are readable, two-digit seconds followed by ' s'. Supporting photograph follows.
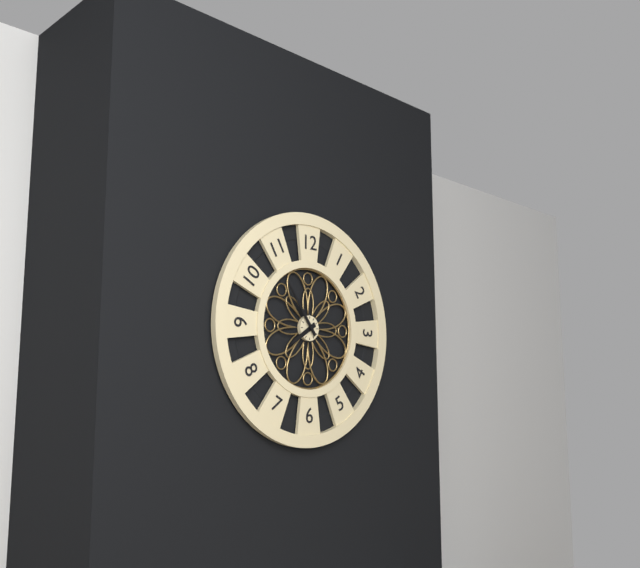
7 h 54 min
